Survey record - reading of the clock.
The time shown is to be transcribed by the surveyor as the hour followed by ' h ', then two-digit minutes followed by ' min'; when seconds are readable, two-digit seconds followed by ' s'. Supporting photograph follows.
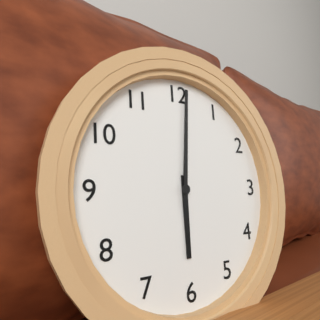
6 h 01 min
